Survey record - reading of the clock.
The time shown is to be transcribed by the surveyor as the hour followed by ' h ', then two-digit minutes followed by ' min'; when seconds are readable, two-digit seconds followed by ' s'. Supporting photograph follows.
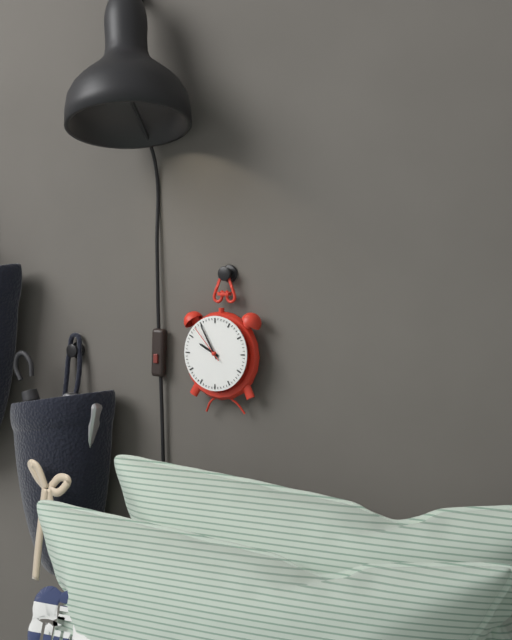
9 h 55 min
